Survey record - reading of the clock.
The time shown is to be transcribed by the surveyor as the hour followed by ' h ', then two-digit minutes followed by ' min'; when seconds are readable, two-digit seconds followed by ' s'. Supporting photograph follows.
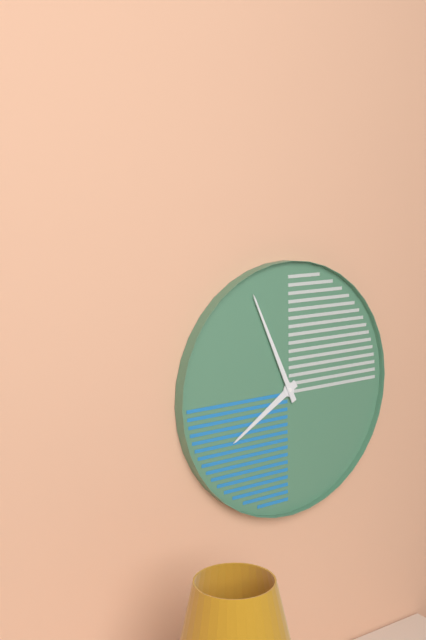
7 h 56 min
